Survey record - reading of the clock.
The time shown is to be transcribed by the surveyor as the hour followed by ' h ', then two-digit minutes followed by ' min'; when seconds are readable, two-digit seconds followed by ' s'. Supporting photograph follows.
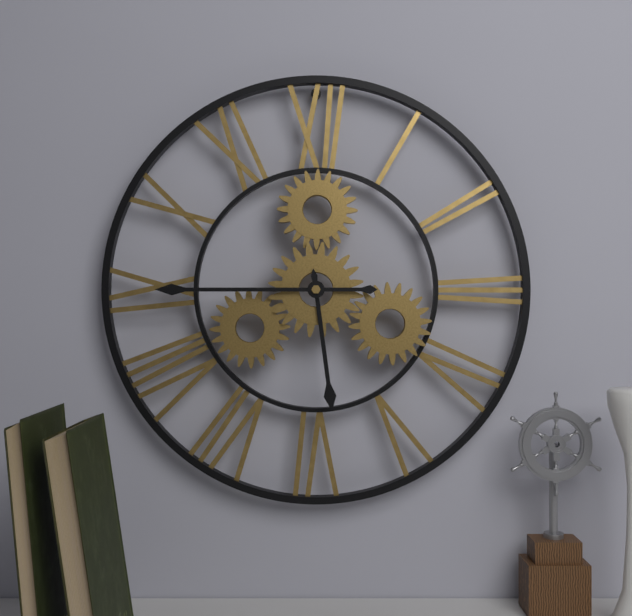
5 h 45 min
